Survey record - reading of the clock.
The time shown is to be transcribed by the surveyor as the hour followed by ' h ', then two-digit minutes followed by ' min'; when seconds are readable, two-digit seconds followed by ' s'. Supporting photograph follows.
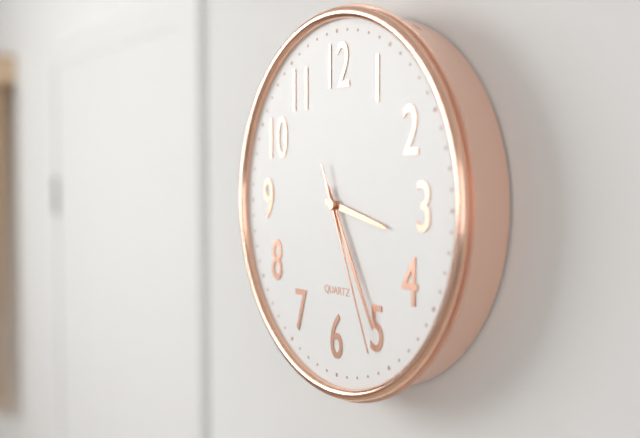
3 h 25 min 26 s
